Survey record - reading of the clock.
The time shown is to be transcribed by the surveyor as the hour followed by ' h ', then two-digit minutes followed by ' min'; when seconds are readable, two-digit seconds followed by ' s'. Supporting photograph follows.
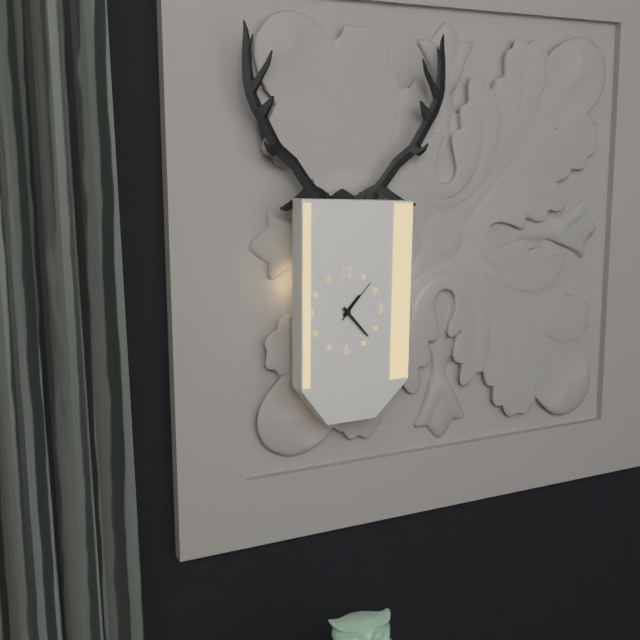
1 h 23 min
